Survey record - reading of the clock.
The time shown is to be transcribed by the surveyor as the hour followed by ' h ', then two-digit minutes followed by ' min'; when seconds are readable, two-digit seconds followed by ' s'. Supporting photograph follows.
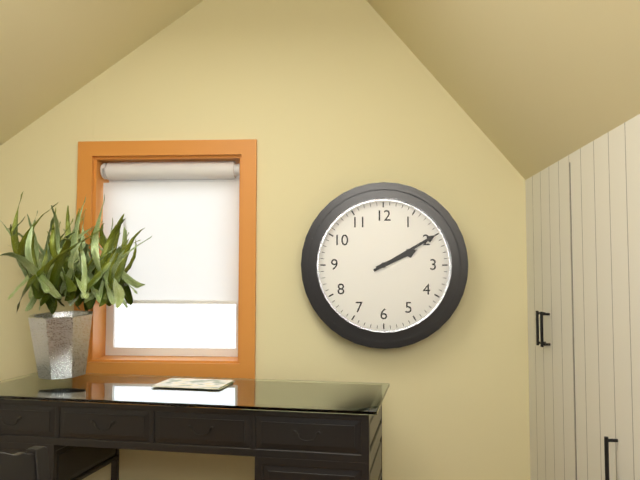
2 h 10 min
